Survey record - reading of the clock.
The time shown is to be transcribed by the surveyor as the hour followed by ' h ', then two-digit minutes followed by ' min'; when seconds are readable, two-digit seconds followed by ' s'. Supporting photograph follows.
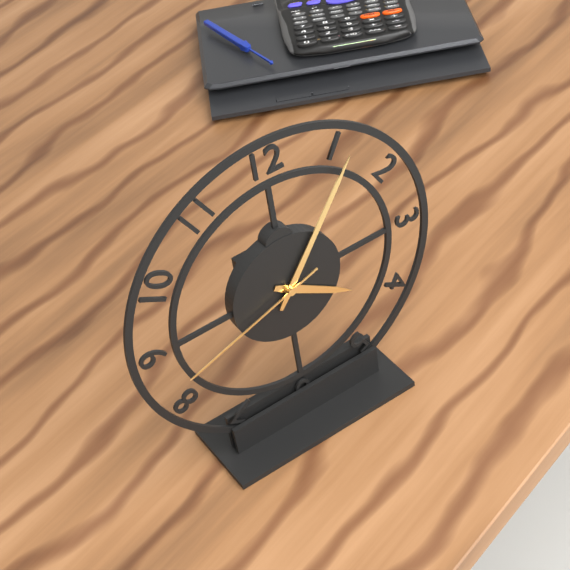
4 h 06 min 42 s
